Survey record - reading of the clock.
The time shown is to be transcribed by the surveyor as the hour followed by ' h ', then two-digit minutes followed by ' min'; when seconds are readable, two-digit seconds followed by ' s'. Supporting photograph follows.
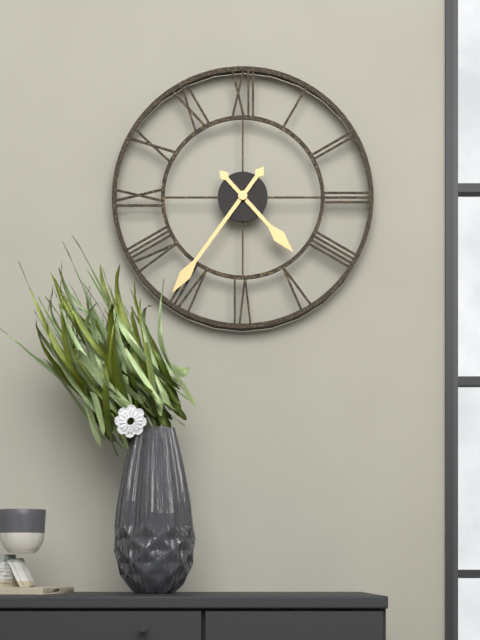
4 h 36 min
